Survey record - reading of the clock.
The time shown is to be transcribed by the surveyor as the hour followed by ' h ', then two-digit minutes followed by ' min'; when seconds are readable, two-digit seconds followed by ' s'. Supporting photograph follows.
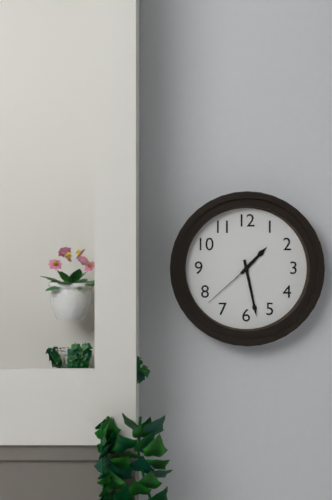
1 h 28 min 38 s
